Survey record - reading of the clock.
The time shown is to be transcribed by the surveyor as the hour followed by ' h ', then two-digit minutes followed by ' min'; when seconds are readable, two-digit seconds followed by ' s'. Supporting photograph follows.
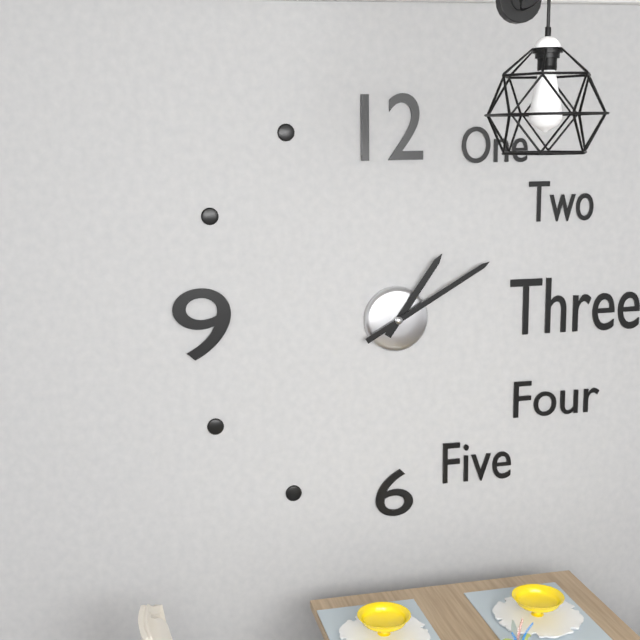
1 h 10 min
